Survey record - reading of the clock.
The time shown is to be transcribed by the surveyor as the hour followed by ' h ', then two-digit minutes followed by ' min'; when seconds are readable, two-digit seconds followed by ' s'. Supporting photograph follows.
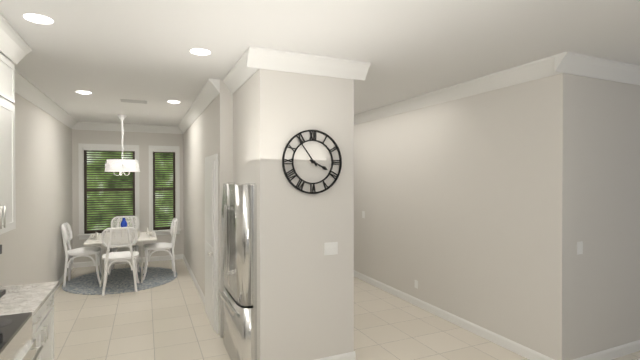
3 h 54 min
